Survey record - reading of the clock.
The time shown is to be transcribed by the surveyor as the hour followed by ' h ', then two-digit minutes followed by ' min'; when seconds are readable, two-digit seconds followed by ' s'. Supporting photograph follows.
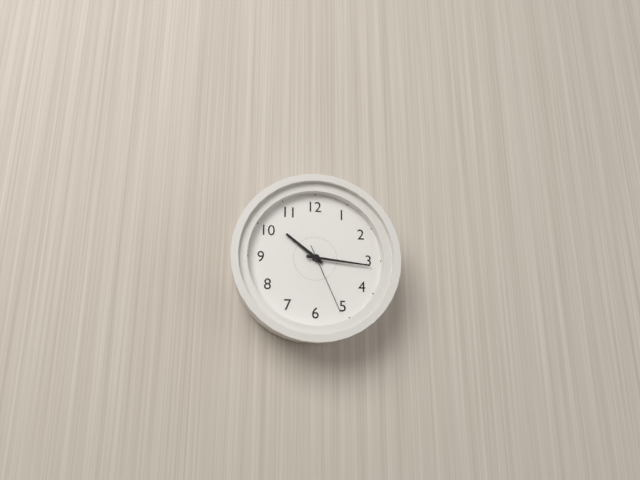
10 h 16 min 26 s
